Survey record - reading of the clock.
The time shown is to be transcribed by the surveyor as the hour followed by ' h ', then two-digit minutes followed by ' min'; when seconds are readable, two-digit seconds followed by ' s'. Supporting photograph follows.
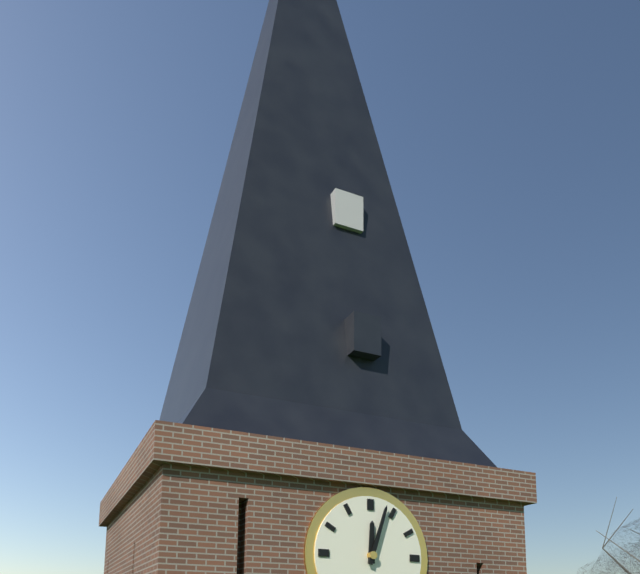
12 h 03 min
